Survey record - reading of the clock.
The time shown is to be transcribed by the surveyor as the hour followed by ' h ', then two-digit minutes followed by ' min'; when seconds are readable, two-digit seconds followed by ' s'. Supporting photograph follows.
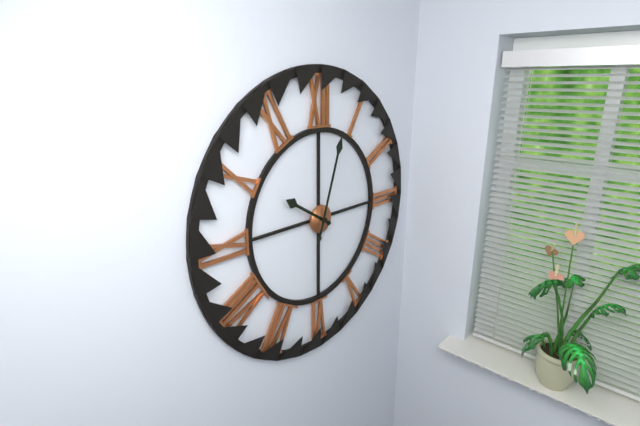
10 h 03 min
